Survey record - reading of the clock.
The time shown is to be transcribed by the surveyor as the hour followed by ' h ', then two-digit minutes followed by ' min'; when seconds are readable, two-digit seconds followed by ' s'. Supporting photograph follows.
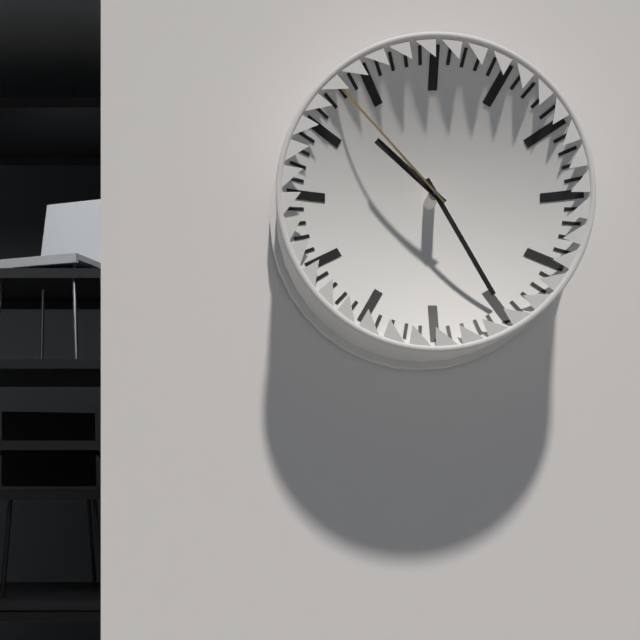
10 h 25 min 53 s
